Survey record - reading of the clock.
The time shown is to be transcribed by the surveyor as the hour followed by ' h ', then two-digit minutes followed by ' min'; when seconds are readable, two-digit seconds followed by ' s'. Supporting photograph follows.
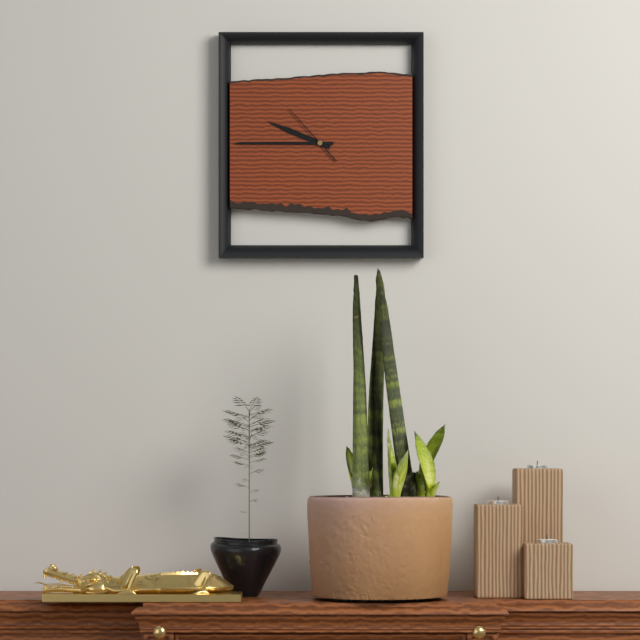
9 h 45 min 53 s
